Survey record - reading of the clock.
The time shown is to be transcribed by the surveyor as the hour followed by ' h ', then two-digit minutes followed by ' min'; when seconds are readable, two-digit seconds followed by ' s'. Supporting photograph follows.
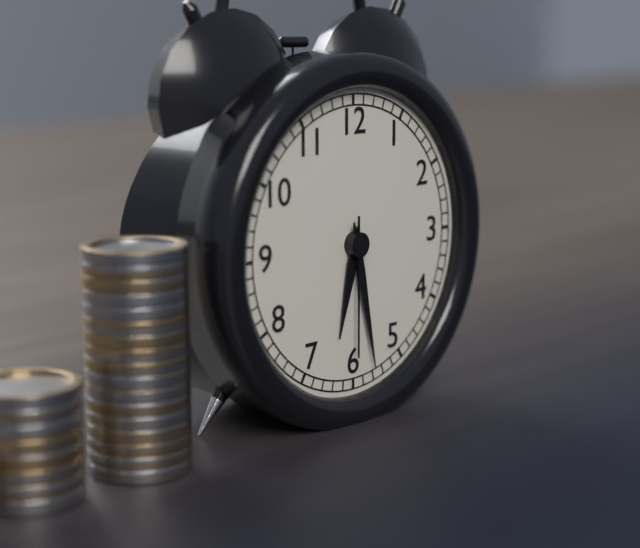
6 h 28 min 30 s
